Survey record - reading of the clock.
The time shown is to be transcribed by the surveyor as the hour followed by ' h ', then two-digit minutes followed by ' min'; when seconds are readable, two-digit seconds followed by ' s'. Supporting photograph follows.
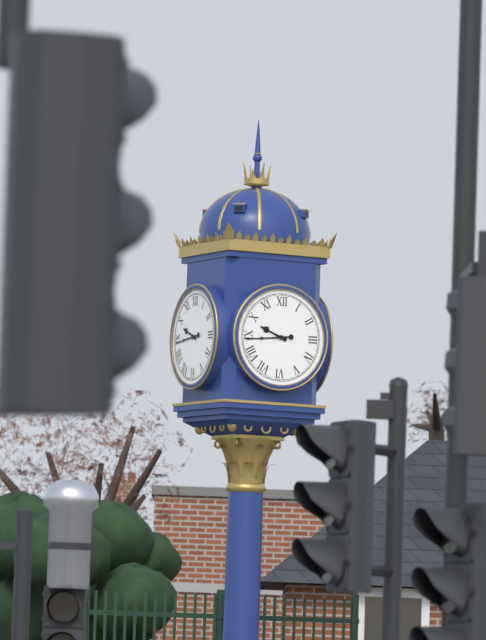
9 h 44 min
